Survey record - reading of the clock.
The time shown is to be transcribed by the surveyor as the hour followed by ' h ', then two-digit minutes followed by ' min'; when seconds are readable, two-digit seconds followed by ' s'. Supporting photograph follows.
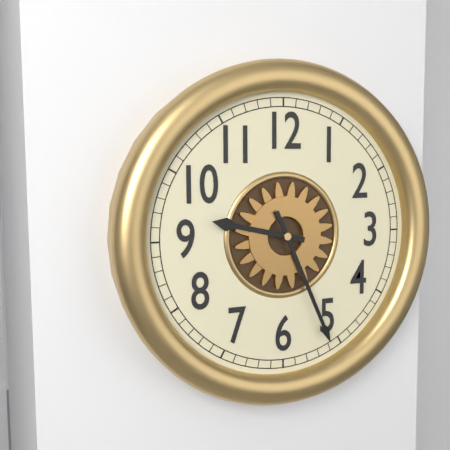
9 h 26 min
